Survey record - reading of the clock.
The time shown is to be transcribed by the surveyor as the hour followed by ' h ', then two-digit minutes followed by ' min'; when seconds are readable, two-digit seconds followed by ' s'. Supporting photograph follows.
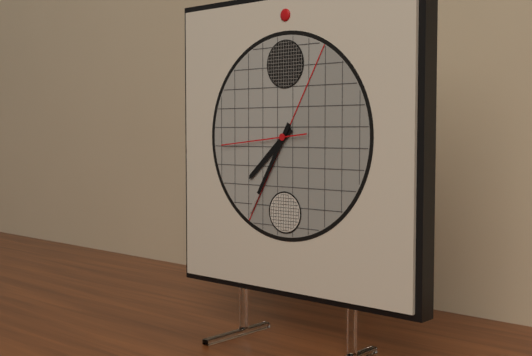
7 h 35 min 44 s
